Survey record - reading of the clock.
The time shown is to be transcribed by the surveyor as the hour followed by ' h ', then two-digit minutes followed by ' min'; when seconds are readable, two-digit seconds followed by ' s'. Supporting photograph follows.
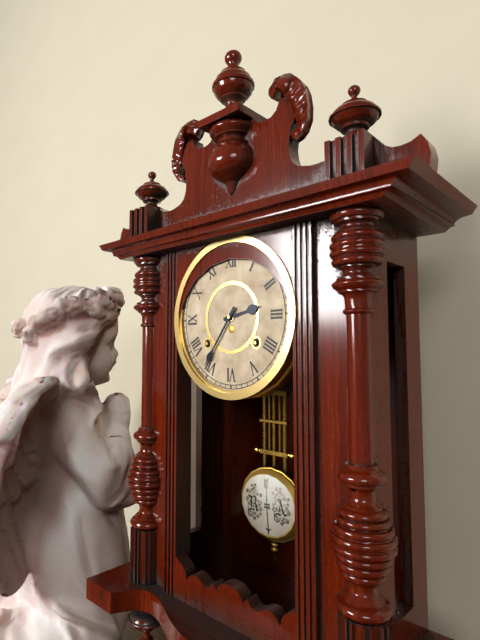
2 h 36 min
